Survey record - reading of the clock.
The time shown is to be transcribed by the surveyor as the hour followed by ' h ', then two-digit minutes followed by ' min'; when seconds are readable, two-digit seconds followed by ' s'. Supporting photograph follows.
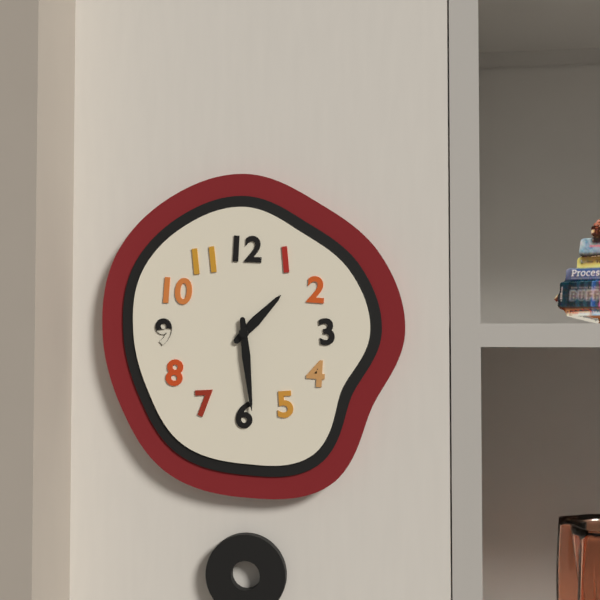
1 h 29 min
